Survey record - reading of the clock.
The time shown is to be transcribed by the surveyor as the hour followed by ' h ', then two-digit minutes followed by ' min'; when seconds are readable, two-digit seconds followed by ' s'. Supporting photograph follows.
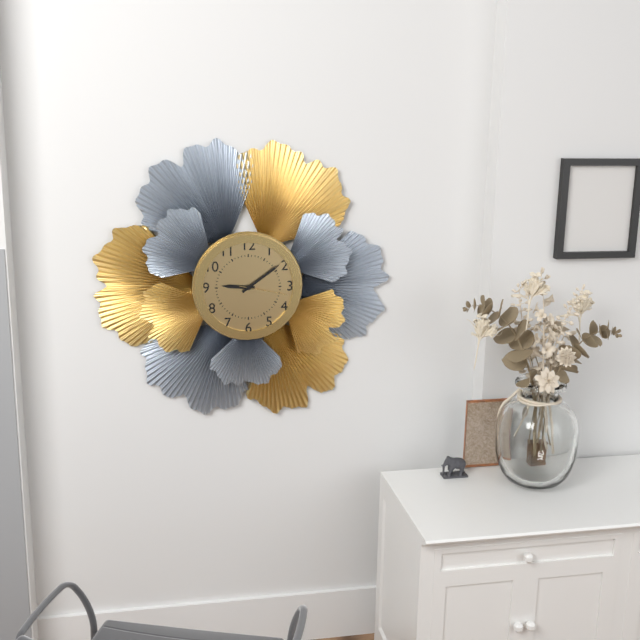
9 h 09 min 17 s
